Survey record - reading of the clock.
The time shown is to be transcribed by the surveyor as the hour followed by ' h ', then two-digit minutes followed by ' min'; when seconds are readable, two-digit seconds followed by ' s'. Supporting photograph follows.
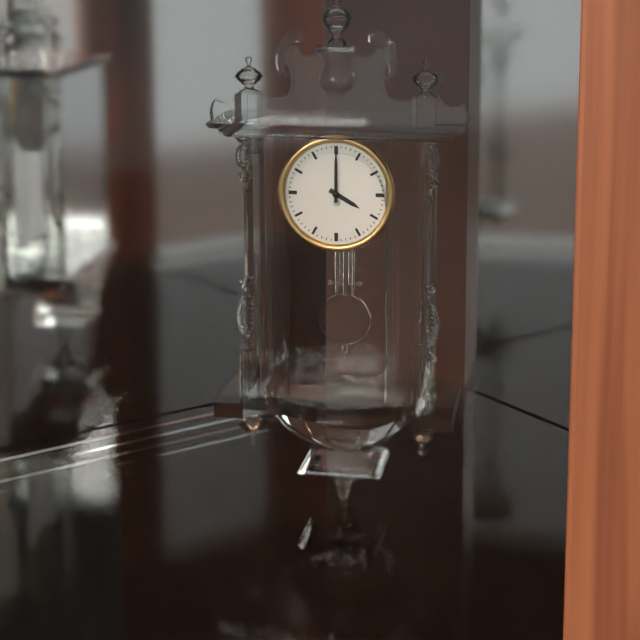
4 h 00 min
